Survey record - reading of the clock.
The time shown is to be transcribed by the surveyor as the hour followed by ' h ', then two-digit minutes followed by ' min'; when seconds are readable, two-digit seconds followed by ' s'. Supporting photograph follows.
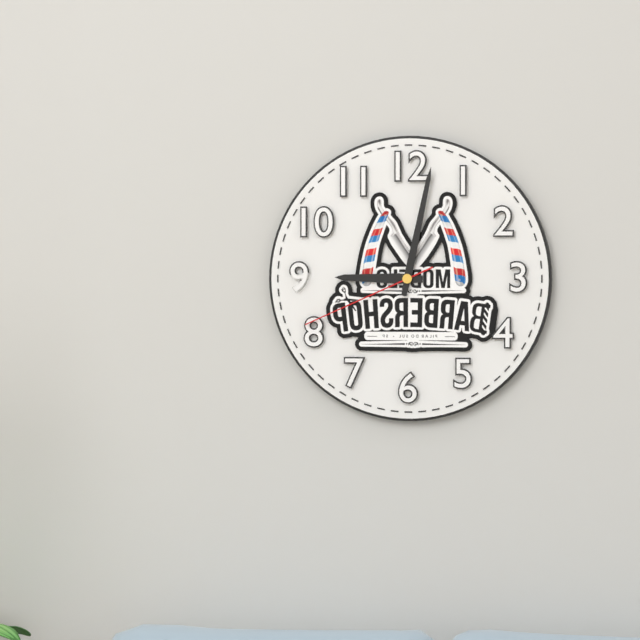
9 h 02 min 41 s
